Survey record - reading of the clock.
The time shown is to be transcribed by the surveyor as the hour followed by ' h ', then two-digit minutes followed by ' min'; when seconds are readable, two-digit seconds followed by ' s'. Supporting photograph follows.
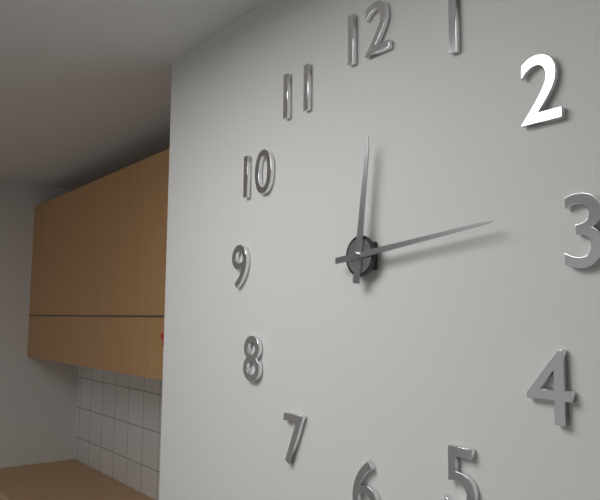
12 h 14 min
